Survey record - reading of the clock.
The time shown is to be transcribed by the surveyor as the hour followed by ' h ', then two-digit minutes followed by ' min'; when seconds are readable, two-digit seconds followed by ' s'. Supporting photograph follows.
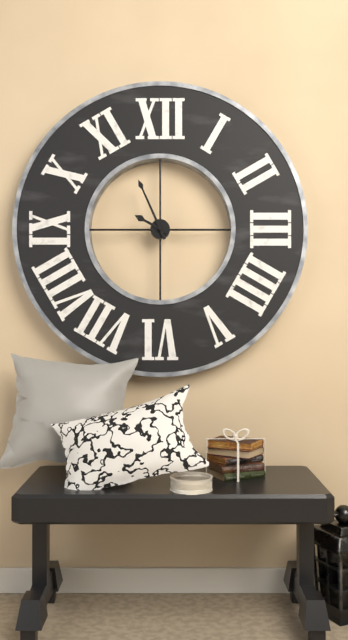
9 h 56 min
